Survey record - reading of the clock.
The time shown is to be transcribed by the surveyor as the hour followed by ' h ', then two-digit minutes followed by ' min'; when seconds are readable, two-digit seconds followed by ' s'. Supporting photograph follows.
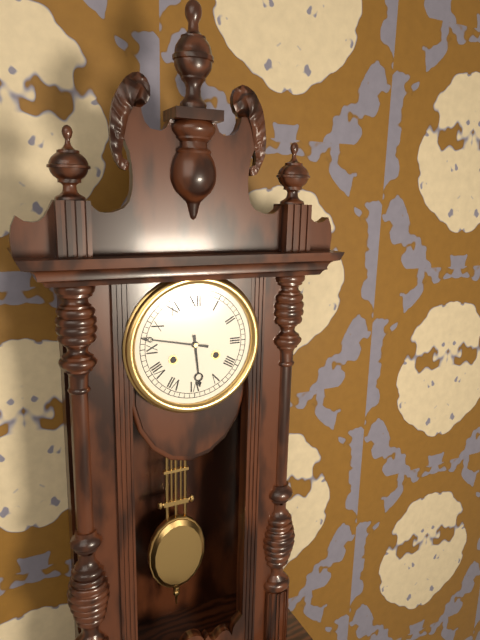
5 h 47 min
